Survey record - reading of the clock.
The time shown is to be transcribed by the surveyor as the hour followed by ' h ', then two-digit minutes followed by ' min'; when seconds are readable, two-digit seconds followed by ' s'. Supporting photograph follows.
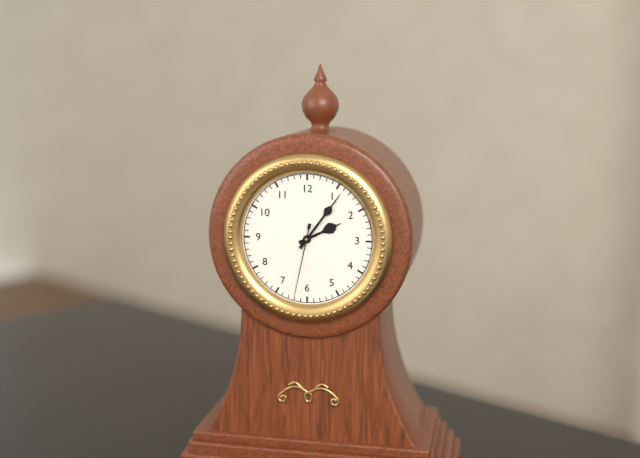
2 h 06 min 32 s
